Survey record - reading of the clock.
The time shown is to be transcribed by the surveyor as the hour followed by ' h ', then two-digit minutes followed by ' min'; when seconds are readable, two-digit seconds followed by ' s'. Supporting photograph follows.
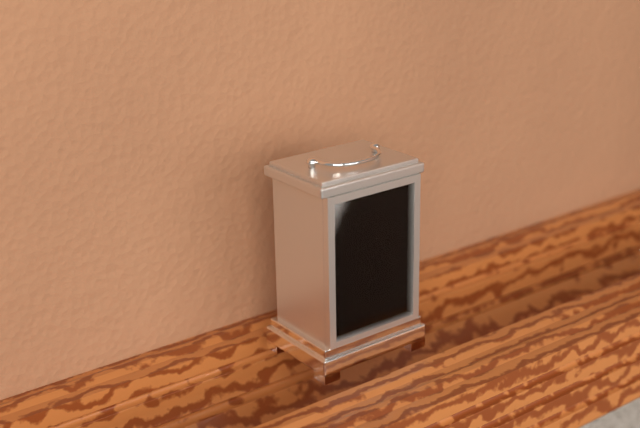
5 h 58 min
